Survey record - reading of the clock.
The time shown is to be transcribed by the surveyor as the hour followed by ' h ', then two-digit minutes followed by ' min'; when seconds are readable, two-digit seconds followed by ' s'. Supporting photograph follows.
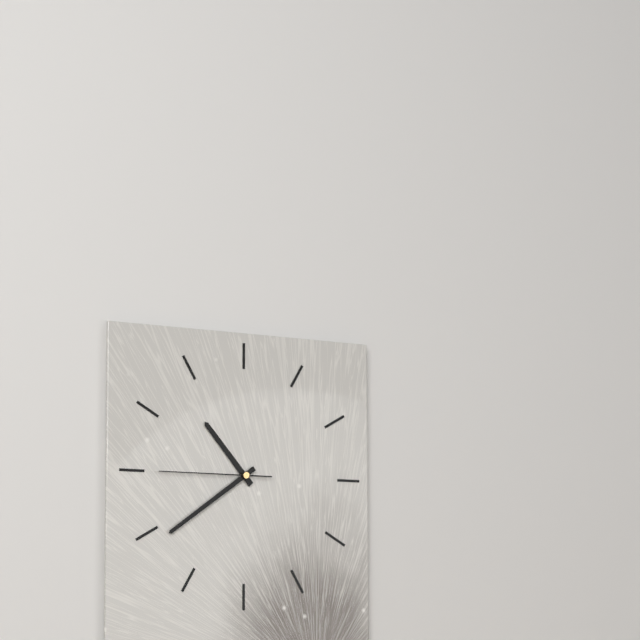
10 h 39 min 45 s
